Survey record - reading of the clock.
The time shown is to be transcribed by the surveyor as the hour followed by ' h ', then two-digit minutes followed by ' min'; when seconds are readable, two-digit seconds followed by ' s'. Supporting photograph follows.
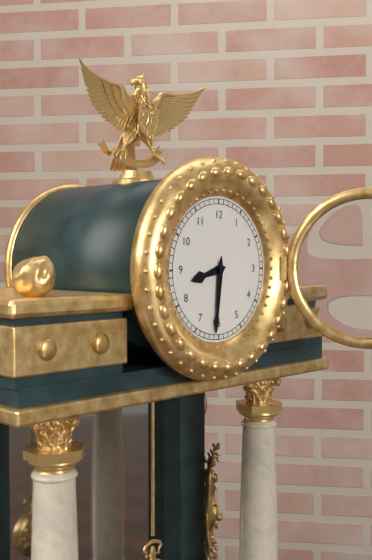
8 h 31 min
